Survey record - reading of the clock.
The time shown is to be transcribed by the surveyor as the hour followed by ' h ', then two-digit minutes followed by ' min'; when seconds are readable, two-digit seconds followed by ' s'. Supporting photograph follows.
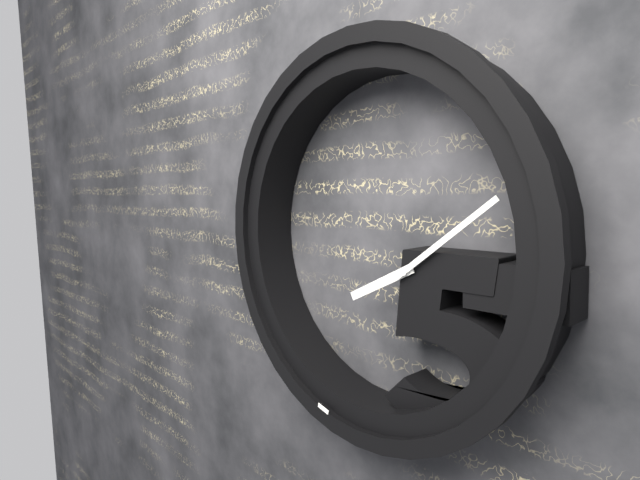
8 h 09 min
